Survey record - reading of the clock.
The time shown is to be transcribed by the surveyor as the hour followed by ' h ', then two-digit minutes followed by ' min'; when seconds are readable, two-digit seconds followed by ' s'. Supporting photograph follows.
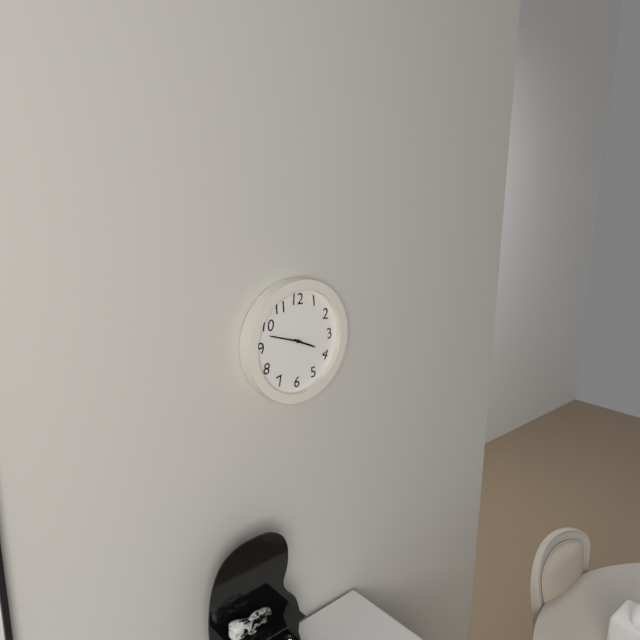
3 h 48 min
